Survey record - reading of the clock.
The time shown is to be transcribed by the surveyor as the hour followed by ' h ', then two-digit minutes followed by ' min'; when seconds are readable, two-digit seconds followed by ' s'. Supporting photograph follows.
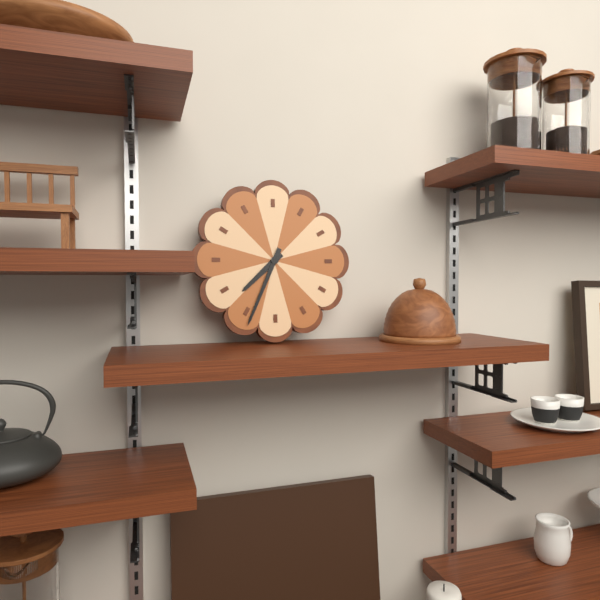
7 h 34 min
